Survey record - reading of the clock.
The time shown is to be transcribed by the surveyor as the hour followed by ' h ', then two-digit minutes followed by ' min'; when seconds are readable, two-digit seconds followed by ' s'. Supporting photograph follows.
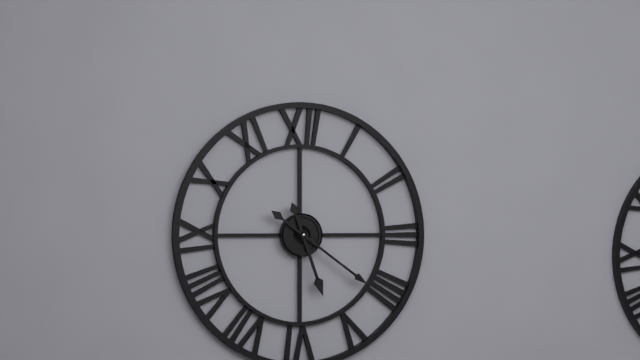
5 h 21 min
